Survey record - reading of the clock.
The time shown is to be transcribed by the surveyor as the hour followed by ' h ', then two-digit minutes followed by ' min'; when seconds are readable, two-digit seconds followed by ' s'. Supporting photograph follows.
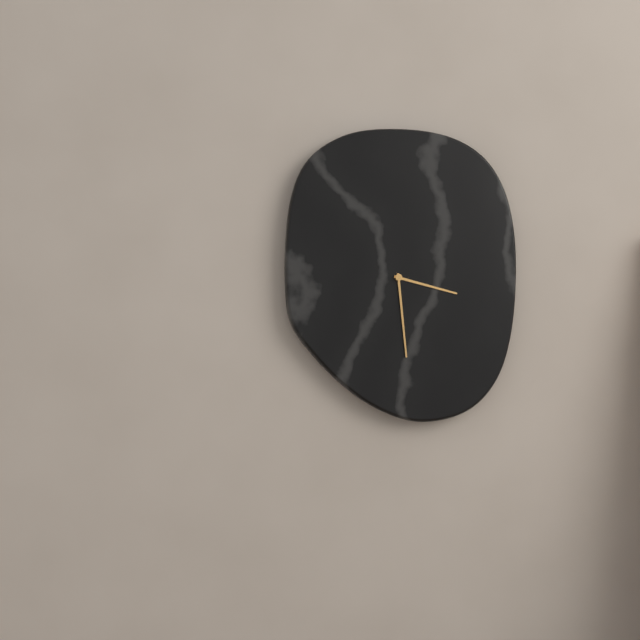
3 h 29 min
